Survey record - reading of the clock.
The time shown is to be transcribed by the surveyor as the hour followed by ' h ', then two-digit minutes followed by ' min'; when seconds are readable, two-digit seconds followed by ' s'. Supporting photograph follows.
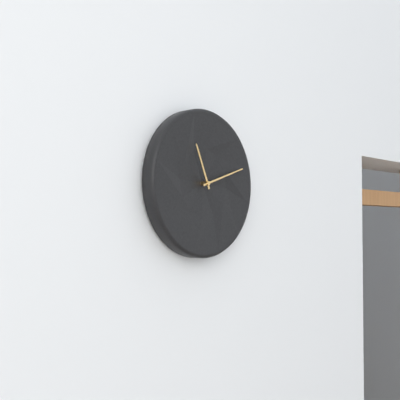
11 h 12 min
